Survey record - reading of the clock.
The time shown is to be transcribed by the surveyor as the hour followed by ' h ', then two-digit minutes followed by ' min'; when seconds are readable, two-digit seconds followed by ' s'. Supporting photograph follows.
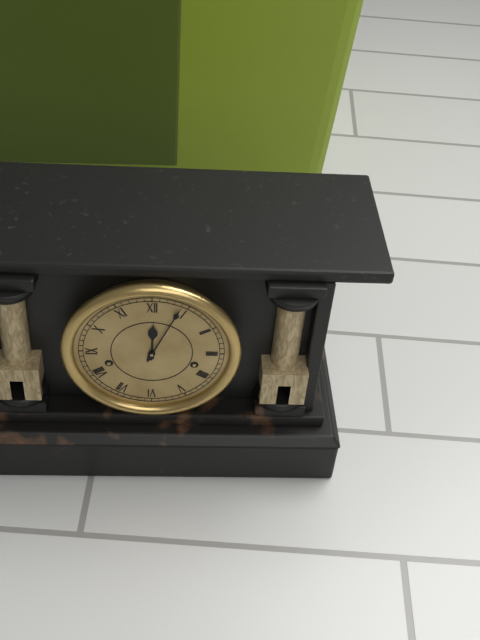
12 h 04 min
